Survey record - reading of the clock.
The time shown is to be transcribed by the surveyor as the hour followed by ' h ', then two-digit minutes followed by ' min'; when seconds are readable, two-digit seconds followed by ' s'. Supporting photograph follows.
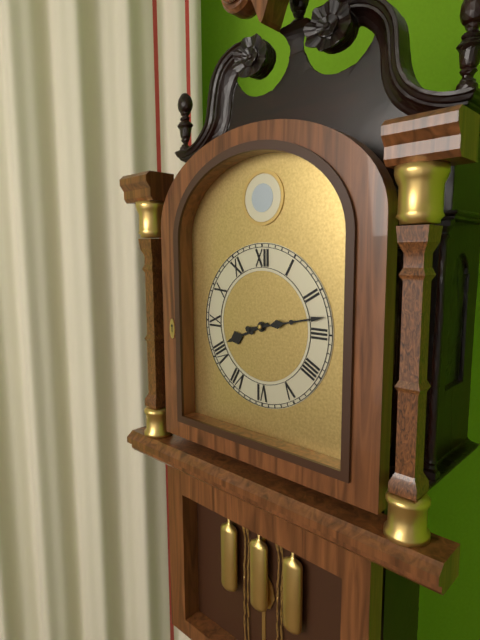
8 h 13 min
